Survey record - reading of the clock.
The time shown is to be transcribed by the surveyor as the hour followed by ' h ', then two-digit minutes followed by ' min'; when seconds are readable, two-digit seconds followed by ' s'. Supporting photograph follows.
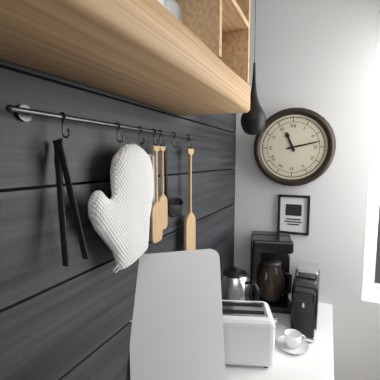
11 h 13 min
